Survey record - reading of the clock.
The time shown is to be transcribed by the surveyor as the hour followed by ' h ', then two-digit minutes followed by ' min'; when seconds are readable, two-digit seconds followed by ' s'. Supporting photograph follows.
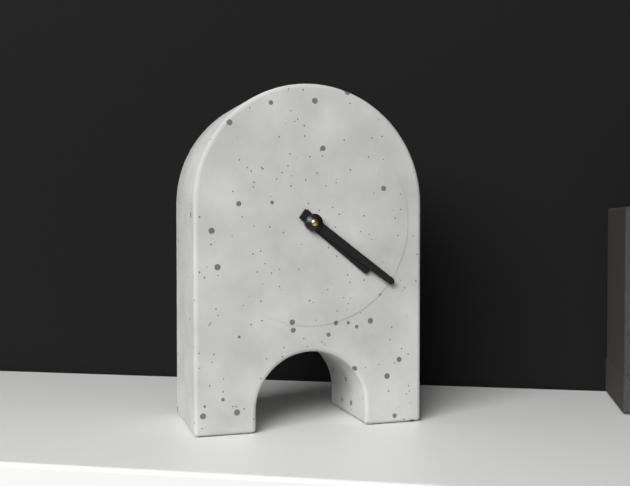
4 h 21 min
